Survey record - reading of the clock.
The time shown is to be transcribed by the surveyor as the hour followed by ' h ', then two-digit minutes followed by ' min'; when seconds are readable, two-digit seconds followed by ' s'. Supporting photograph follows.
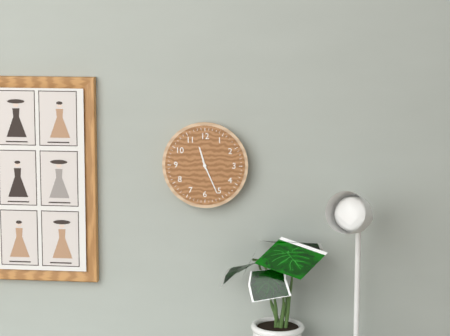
11 h 26 min
